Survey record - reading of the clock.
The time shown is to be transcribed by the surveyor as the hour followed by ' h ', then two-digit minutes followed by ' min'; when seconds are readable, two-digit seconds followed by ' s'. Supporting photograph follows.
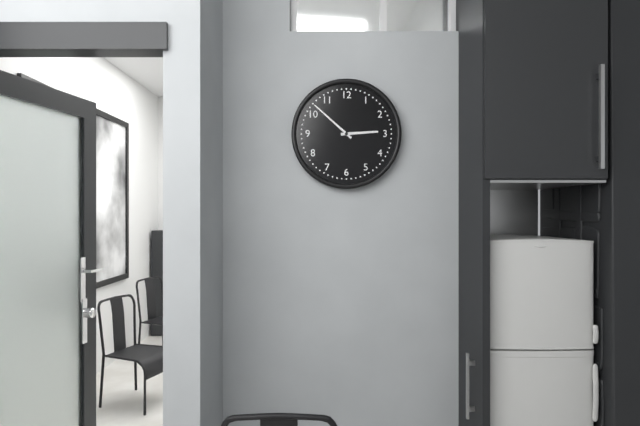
2 h 52 min
